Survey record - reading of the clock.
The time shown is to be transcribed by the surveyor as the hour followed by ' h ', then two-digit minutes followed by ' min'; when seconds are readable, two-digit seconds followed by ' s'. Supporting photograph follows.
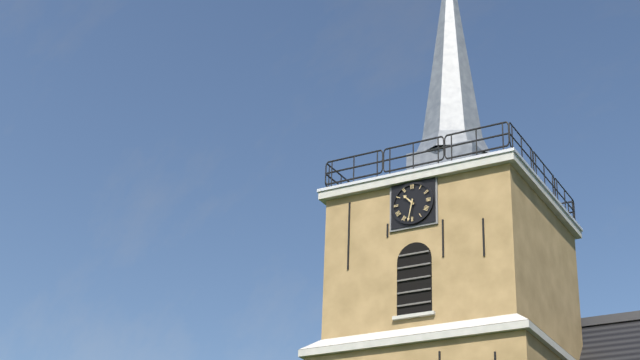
10 h 32 min
